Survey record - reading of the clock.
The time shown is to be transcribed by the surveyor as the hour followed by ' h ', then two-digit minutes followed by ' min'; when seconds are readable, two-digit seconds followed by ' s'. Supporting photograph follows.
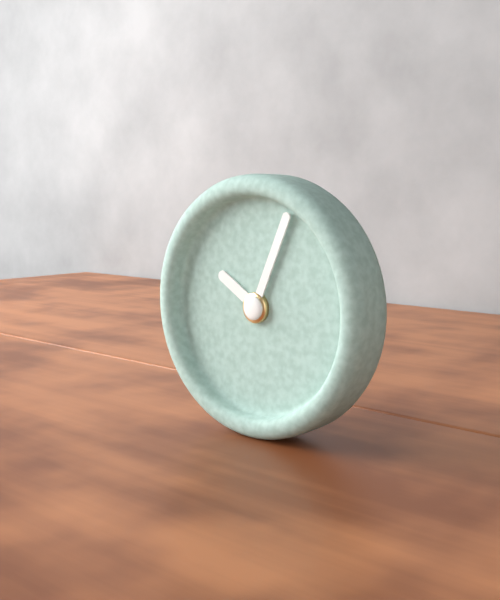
10 h 04 min
